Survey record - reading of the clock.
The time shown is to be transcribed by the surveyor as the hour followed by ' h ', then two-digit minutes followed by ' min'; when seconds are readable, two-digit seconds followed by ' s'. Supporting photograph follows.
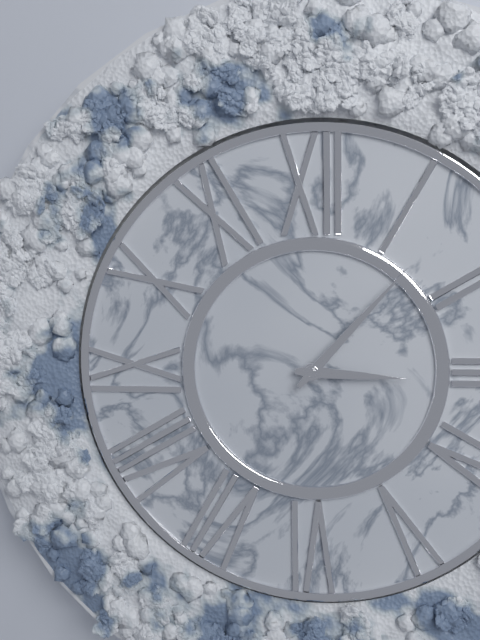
3 h 07 min
